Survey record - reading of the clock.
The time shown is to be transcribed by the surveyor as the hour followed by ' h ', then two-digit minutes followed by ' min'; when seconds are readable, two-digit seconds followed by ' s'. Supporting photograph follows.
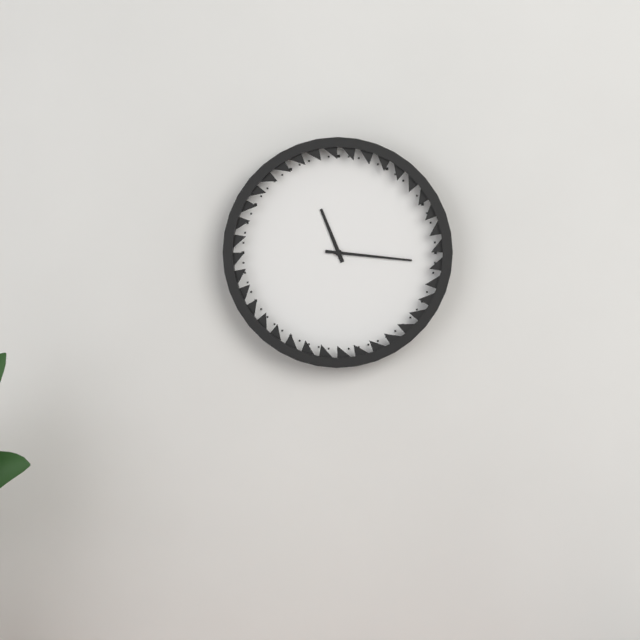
11 h 16 min
